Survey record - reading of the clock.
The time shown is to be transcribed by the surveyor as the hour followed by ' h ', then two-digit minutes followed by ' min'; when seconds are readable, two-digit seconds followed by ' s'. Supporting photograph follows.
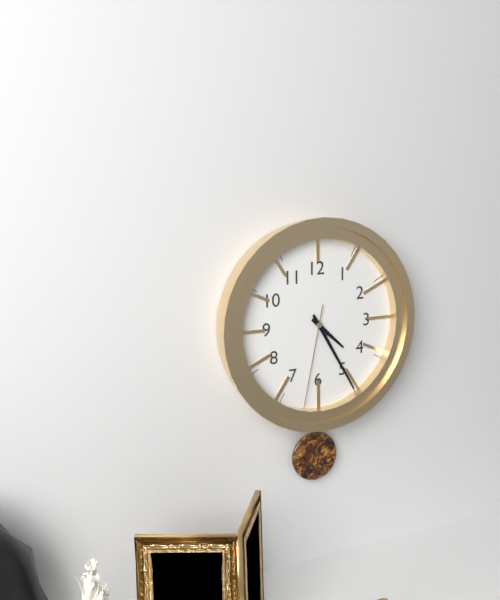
4 h 25 min 32 s
